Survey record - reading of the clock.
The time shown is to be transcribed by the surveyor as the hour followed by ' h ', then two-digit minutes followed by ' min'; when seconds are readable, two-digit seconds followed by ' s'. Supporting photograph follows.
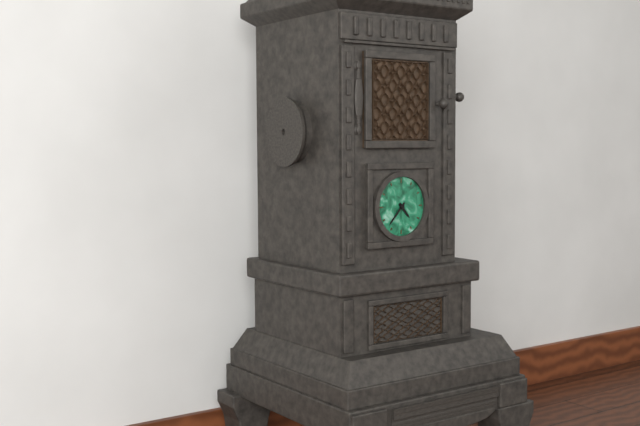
4 h 37 min
